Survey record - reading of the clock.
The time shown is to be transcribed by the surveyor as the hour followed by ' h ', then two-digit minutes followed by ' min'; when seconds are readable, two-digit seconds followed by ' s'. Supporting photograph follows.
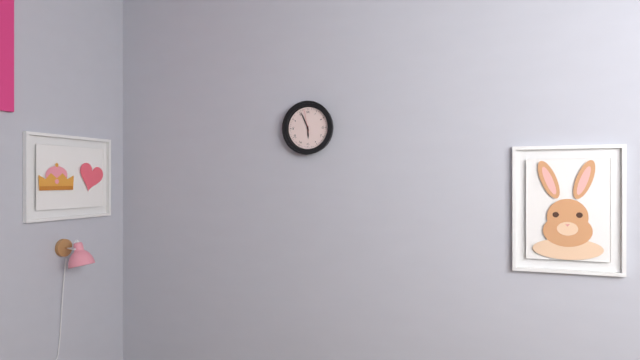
5 h 56 min
